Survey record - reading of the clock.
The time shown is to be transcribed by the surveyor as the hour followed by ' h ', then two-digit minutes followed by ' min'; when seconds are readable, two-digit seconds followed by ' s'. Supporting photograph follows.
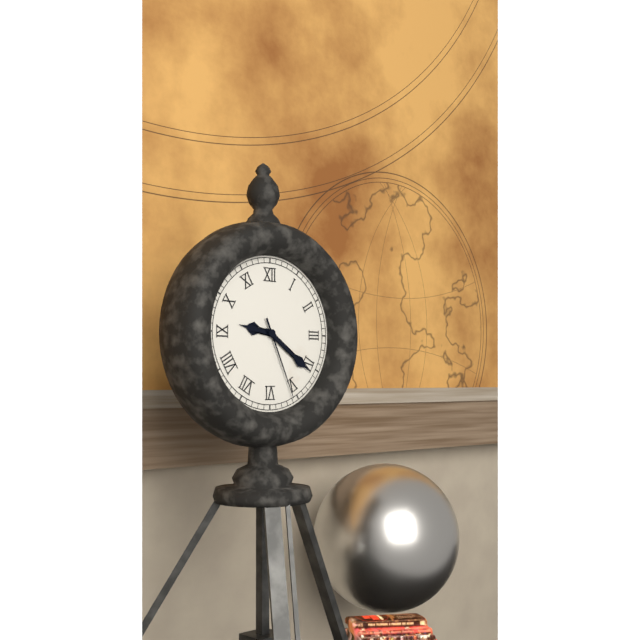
9 h 21 min 26 s
